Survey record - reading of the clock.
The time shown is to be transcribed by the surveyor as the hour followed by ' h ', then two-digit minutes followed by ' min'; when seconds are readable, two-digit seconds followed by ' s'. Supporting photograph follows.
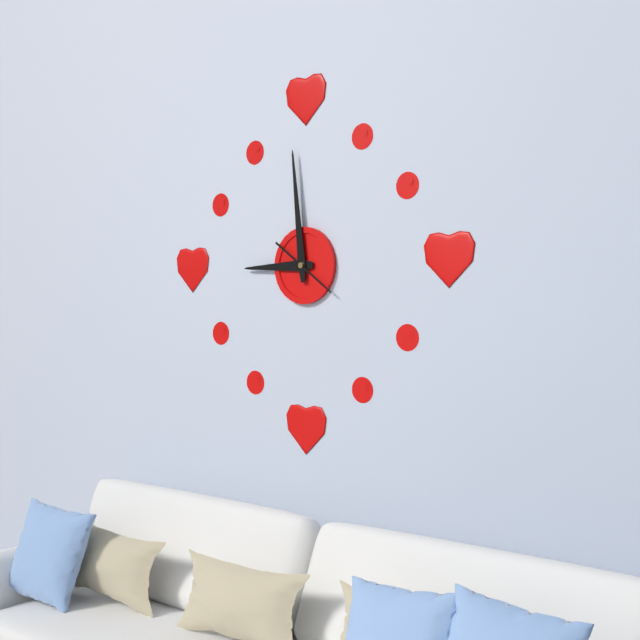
8 h 59 min
